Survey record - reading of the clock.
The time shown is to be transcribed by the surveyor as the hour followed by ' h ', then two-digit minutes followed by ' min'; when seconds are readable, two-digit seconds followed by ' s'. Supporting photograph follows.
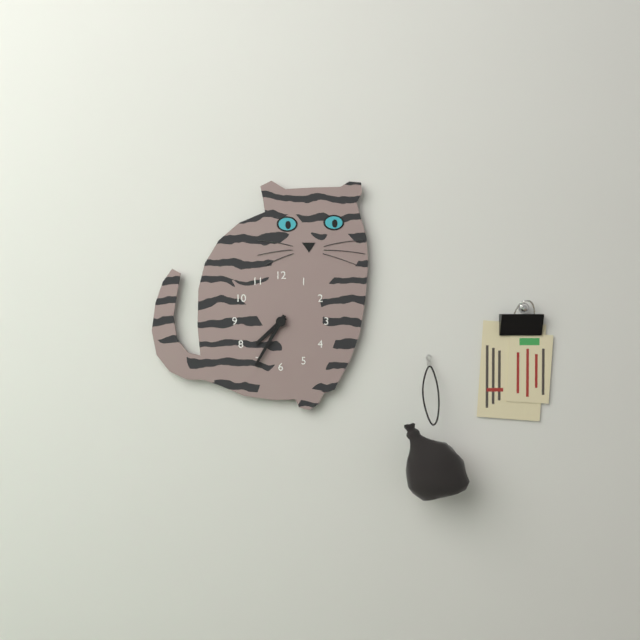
7 h 35 min
